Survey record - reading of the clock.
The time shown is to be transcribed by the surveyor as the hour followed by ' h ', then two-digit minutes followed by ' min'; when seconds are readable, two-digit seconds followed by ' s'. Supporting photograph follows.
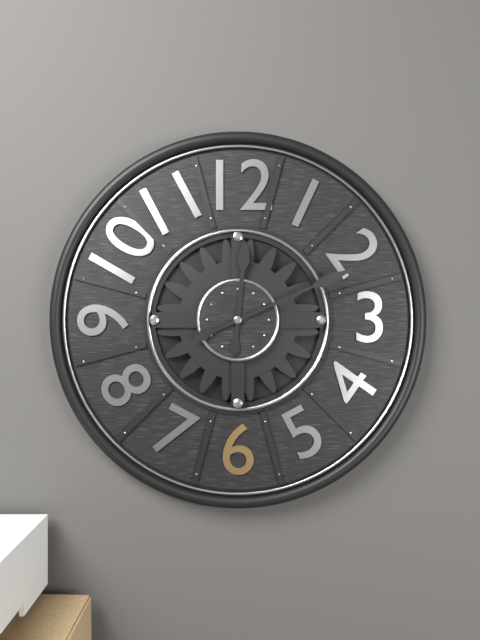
12 h 11 min
